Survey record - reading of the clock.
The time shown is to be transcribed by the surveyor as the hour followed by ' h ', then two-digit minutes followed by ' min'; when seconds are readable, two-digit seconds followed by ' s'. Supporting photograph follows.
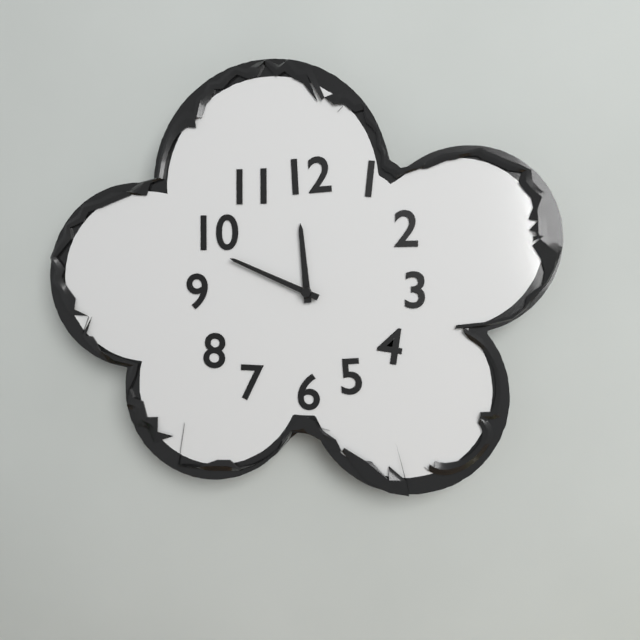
11 h 49 min
